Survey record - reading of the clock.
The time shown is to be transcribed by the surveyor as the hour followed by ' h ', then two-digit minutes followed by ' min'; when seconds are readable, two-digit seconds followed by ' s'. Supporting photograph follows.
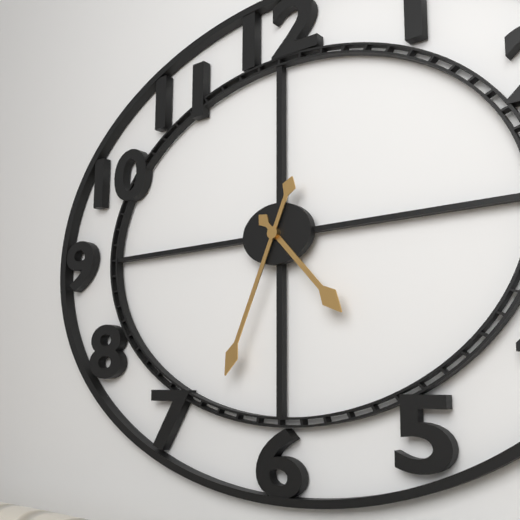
4 h 34 min
